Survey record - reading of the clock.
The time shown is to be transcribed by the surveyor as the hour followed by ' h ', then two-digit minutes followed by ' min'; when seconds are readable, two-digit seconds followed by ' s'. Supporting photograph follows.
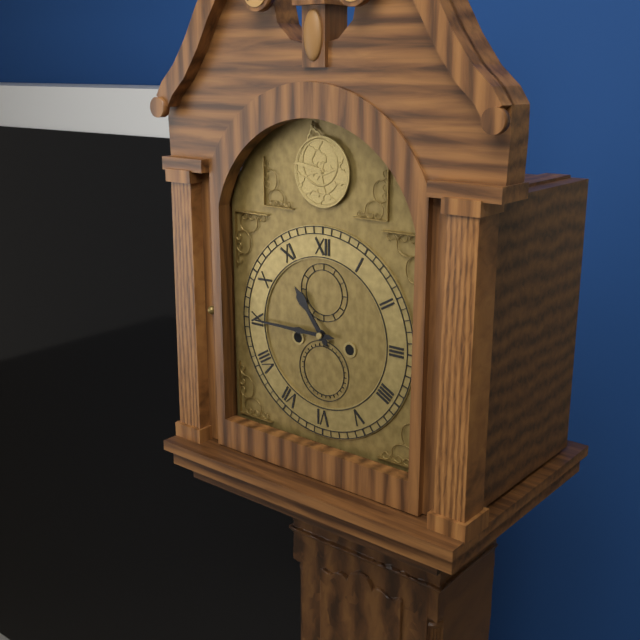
10 h 45 min
